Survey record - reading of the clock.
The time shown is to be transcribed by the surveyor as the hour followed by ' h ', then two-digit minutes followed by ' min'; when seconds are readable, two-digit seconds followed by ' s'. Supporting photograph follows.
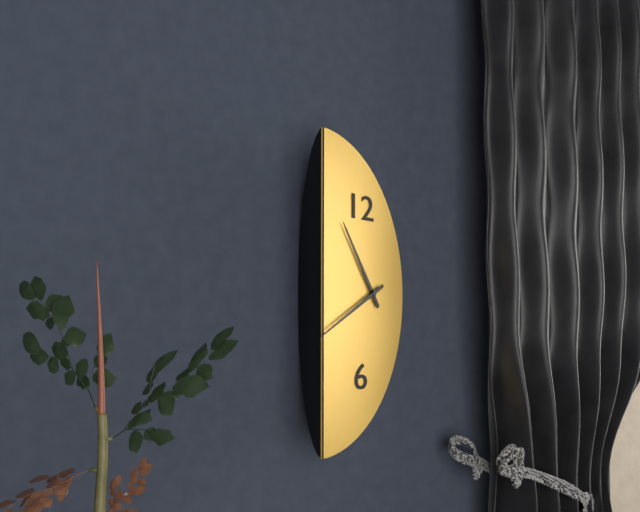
10 h 41 min
